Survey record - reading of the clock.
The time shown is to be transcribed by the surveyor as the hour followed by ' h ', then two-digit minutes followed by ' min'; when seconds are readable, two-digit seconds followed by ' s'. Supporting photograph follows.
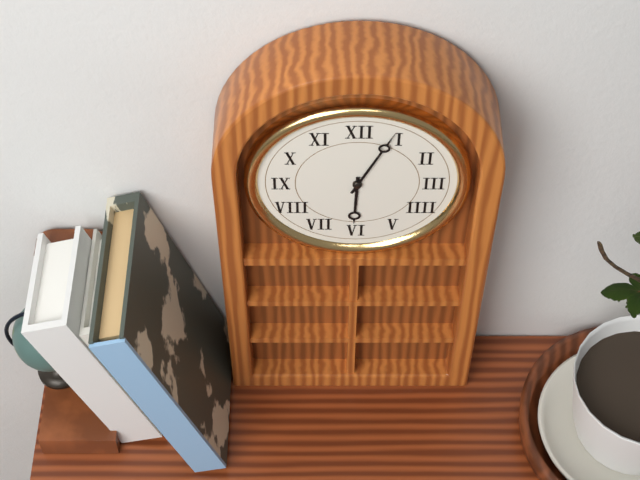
6 h 04 min
